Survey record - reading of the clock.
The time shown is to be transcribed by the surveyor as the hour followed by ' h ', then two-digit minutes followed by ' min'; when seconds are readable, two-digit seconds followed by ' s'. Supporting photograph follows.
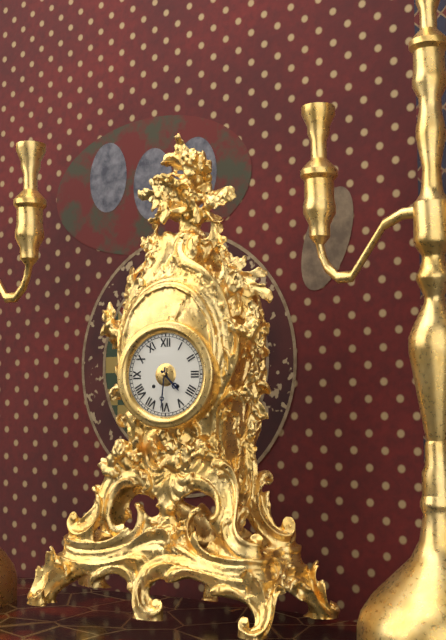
4 h 31 min
